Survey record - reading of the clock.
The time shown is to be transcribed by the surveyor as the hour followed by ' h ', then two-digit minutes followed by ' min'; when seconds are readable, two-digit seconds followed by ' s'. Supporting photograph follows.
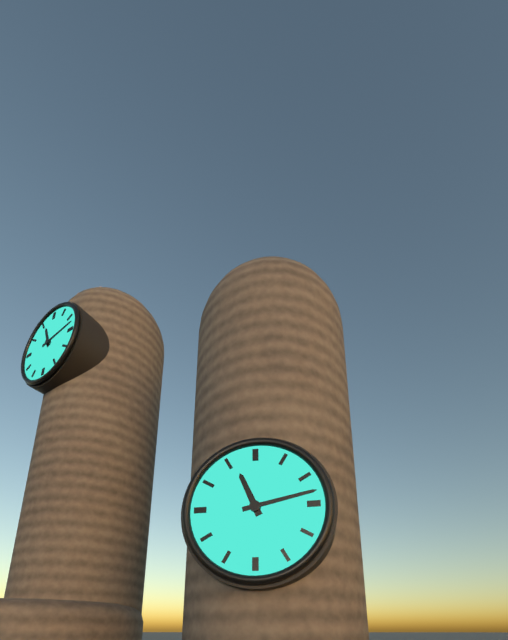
11 h 13 min
